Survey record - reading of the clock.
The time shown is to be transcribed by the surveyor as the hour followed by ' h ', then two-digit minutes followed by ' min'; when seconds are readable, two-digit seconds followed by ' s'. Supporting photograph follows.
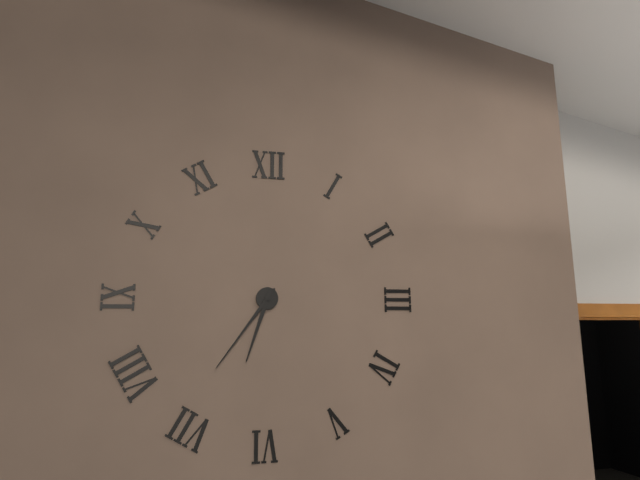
6 h 36 min
